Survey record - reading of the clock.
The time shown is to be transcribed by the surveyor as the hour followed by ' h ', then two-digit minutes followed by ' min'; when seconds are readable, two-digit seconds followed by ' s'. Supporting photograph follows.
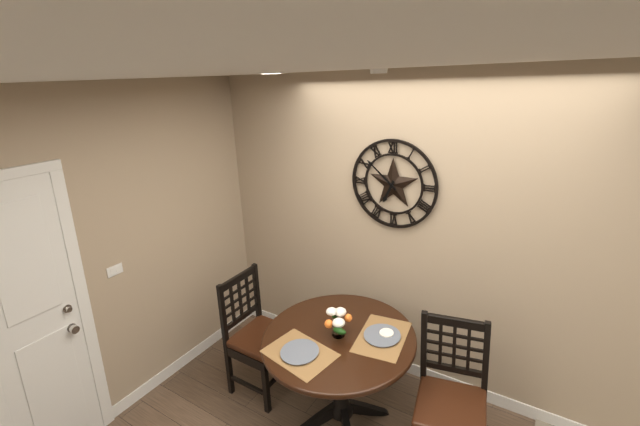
6 h 52 min
